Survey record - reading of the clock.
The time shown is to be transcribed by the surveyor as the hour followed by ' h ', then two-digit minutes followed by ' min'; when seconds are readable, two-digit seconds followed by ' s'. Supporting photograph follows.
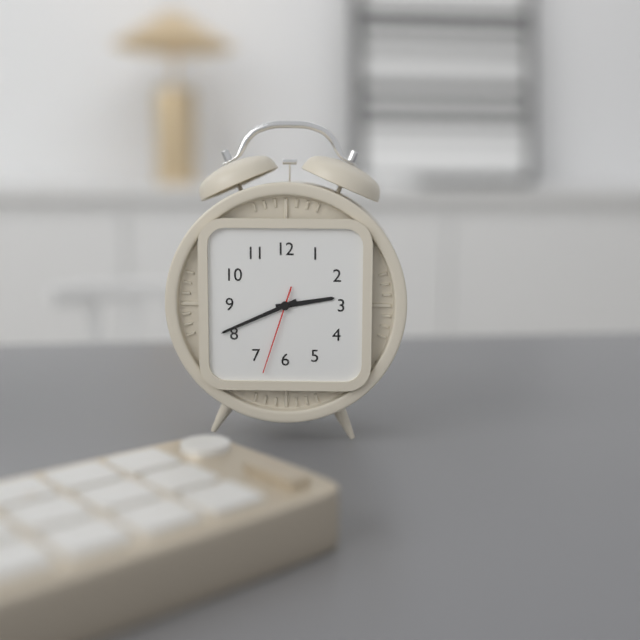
2 h 41 min 33 s
